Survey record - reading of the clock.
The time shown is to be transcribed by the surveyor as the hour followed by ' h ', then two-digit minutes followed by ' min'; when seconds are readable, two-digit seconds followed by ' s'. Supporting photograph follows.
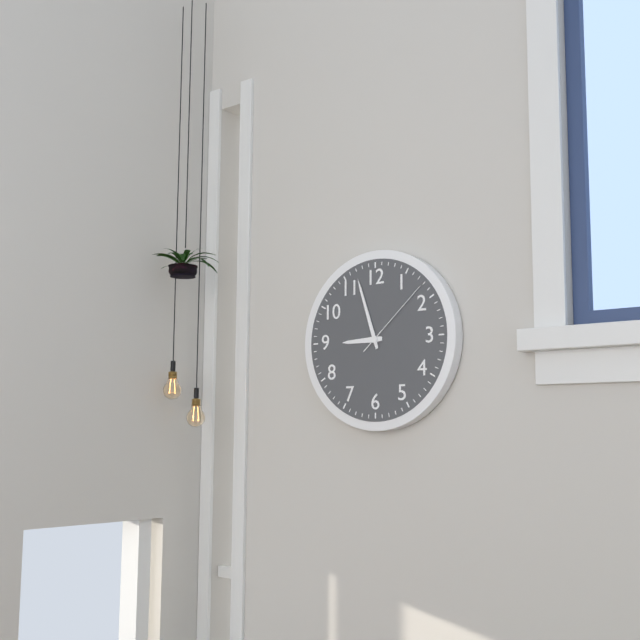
8 h 57 min 08 s
